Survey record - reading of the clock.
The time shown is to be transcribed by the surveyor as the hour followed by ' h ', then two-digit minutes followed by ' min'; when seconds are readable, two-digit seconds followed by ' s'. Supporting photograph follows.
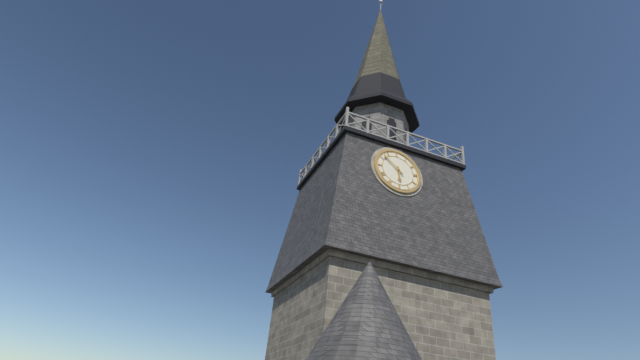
5 h 52 min
